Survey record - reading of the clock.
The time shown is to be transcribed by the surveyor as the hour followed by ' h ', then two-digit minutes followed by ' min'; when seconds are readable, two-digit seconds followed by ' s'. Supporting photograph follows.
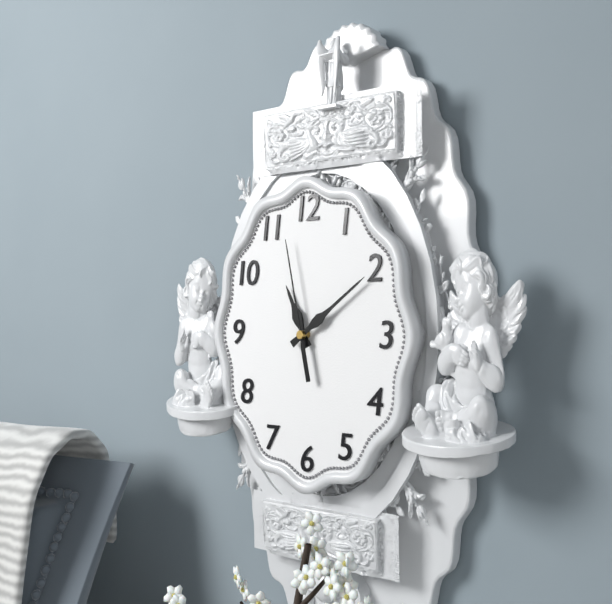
11 h 09 min 58 s
